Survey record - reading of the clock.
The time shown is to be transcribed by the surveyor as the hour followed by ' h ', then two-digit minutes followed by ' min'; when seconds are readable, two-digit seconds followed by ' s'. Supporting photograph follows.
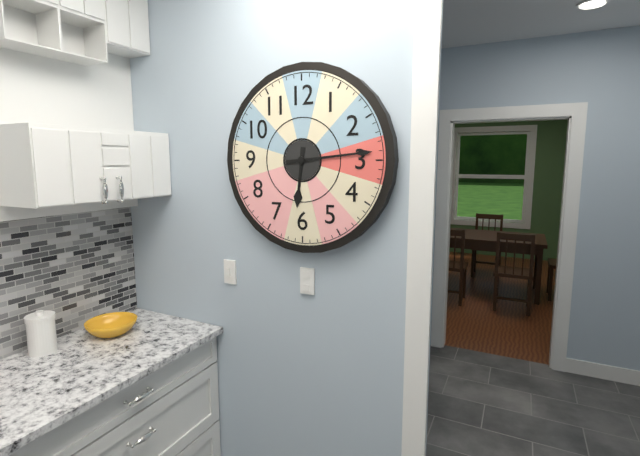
6 h 14 min
